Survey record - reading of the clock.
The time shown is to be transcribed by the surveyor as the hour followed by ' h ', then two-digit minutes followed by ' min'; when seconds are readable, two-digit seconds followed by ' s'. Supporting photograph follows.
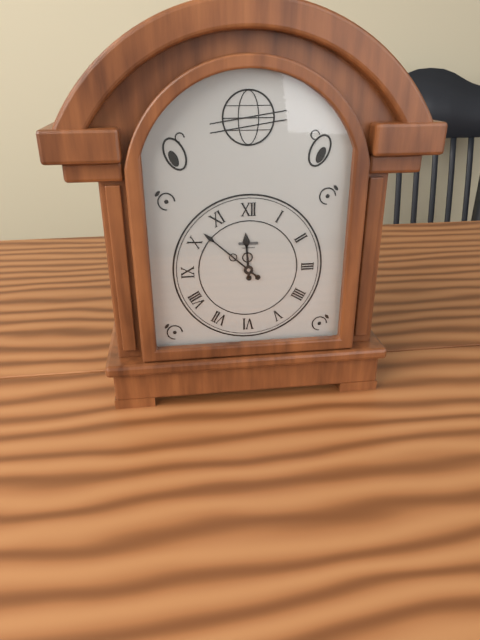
11 h 52 min
